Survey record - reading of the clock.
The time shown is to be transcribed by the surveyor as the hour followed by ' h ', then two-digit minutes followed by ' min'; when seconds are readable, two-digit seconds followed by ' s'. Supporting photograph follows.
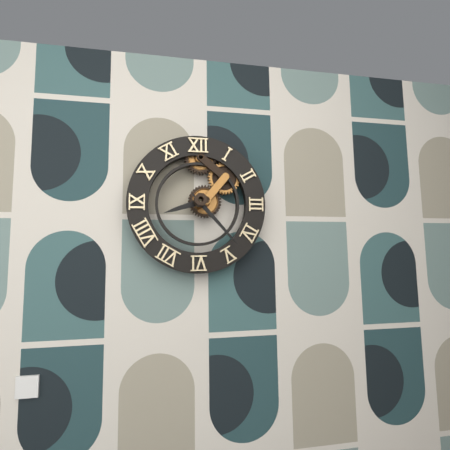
8 h 23 min
